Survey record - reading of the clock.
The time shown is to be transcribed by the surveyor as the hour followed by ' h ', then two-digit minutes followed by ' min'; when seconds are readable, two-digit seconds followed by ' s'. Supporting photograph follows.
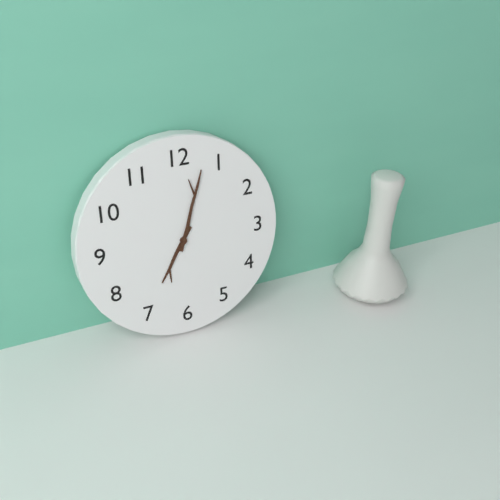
7 h 03 min
